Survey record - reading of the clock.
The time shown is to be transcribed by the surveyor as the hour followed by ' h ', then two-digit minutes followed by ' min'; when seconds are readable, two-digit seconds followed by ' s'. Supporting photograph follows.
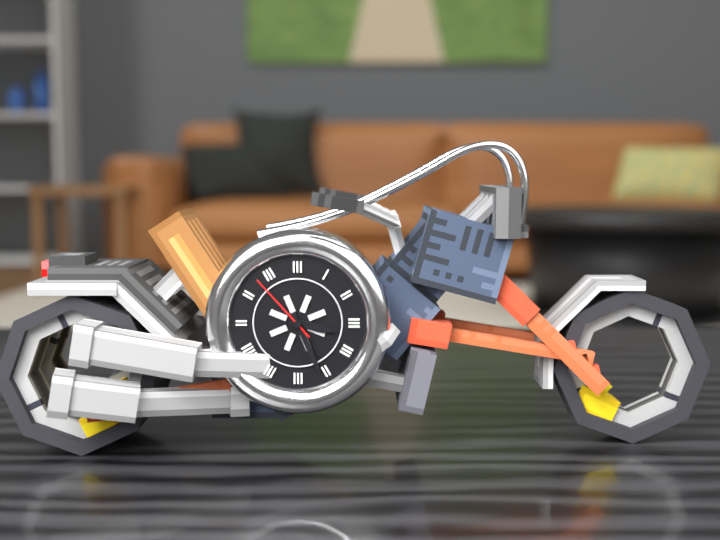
3 h 26 min 53 s
